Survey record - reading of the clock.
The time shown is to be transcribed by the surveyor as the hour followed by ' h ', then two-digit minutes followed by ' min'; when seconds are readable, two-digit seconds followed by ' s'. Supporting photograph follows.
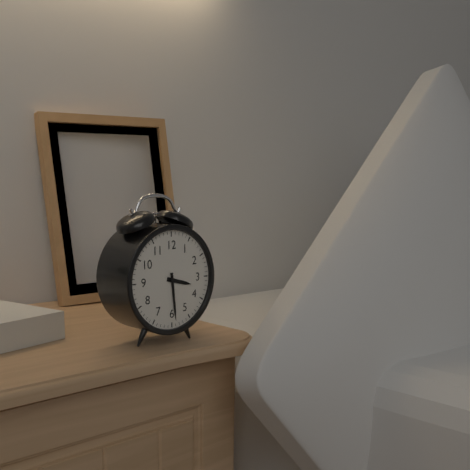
3 h 29 min
